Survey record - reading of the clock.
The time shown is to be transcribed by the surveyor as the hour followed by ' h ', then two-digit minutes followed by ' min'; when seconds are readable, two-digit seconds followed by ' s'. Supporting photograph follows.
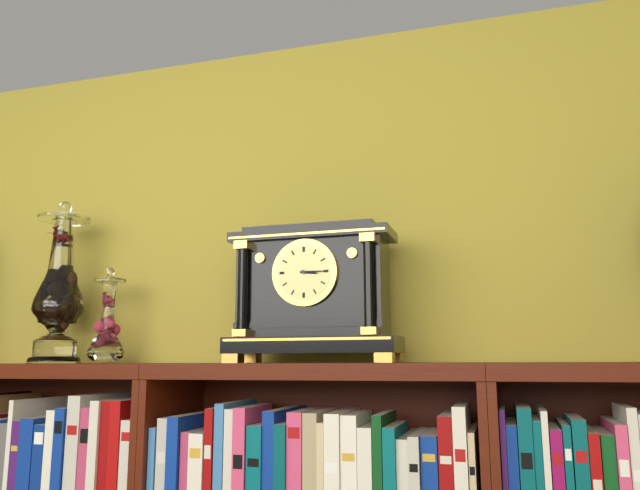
3 h 15 min
